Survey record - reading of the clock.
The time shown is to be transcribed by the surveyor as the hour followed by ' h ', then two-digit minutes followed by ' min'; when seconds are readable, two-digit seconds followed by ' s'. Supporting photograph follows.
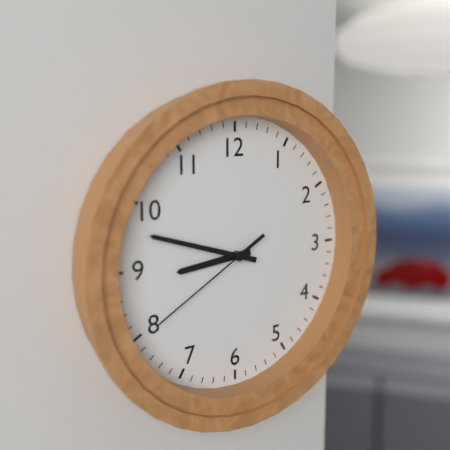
8 h 48 min 40 s
